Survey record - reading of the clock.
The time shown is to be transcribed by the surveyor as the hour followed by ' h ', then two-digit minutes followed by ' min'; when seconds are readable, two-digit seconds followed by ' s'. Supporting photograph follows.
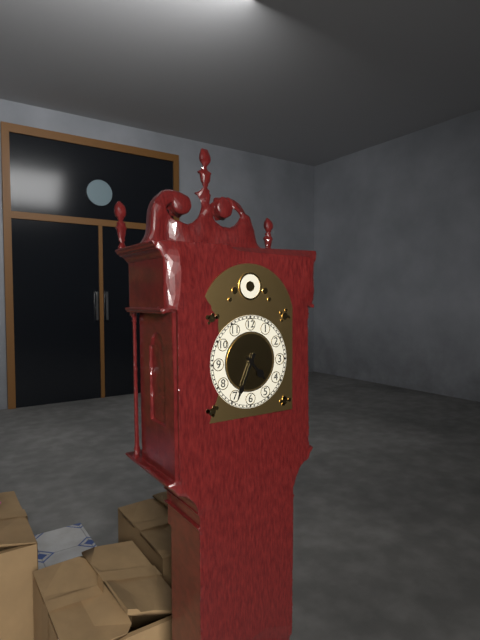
4 h 34 min
